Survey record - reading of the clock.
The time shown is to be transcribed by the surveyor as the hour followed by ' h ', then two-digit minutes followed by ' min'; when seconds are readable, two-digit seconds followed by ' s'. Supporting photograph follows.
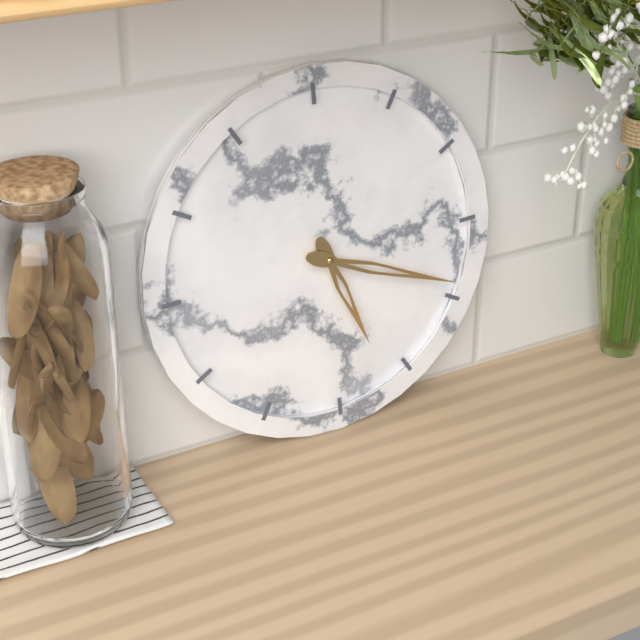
5 h 19 min
